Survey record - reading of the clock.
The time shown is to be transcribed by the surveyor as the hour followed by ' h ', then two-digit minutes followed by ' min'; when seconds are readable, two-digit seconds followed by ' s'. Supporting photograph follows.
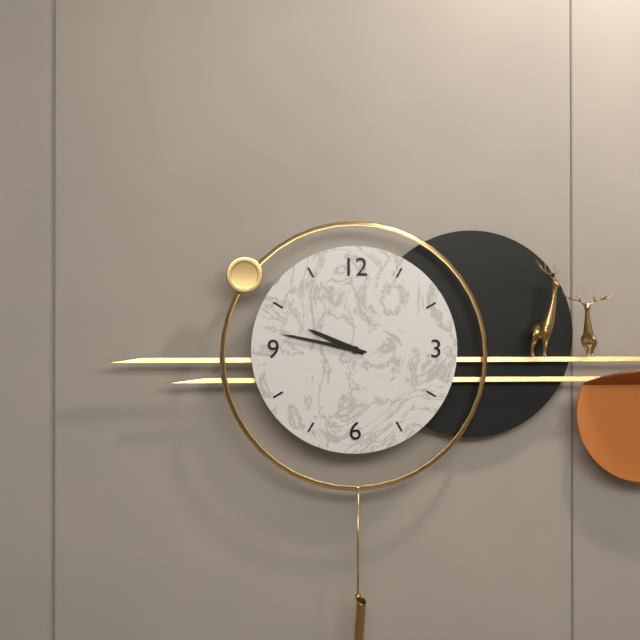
9 h 47 min
